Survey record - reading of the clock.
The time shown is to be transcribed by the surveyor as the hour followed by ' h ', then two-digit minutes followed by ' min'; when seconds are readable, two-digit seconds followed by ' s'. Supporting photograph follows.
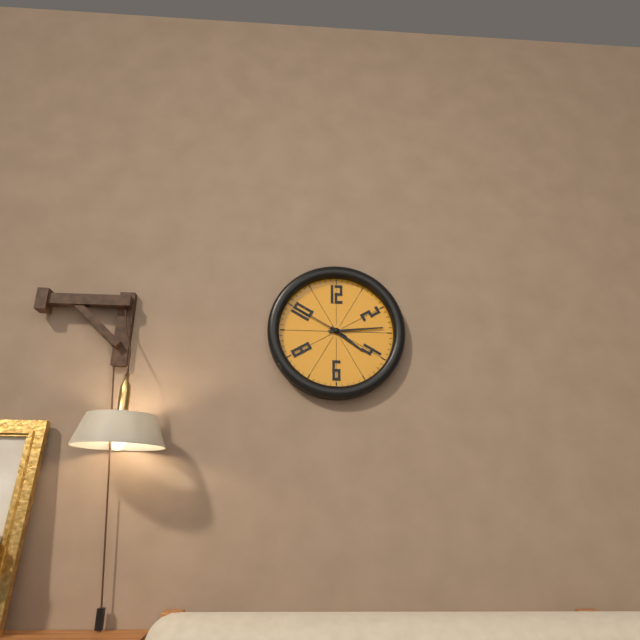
4 h 14 min 50 s
